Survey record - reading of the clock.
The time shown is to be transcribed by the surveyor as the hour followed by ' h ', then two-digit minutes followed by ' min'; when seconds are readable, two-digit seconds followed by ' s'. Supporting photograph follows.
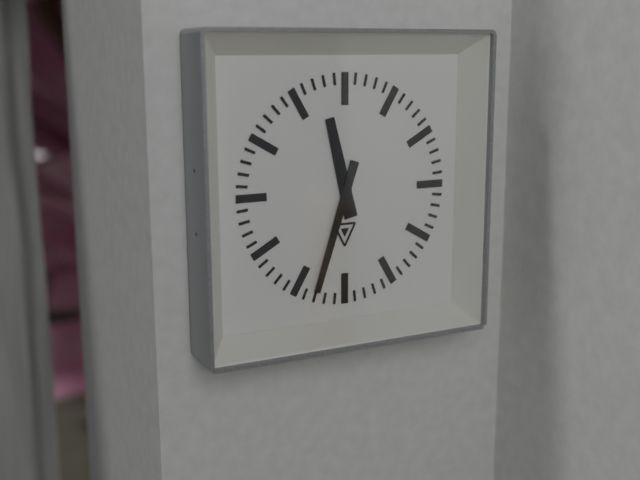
11 h 33 min
